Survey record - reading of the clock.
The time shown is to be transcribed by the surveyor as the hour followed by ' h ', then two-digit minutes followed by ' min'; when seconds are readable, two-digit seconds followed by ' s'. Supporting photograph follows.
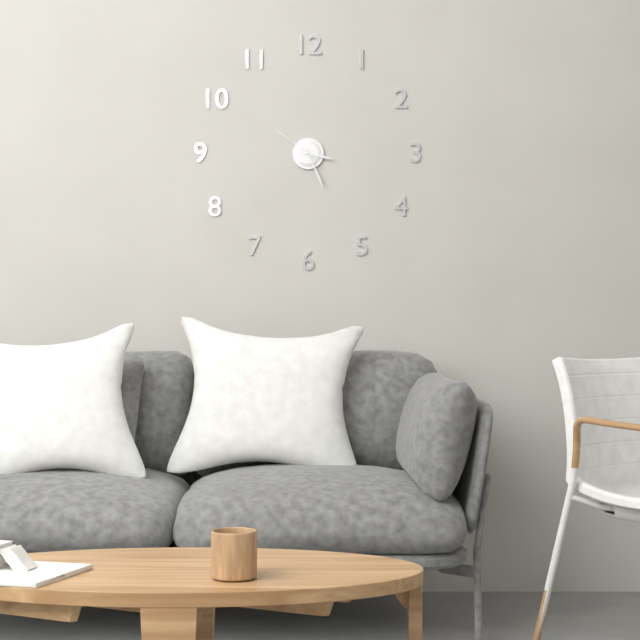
3 h 26 min 51 s
